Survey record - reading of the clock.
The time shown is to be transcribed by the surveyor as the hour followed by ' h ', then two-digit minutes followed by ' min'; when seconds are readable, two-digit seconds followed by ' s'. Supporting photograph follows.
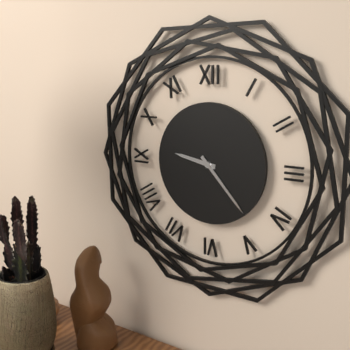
9 h 23 min
